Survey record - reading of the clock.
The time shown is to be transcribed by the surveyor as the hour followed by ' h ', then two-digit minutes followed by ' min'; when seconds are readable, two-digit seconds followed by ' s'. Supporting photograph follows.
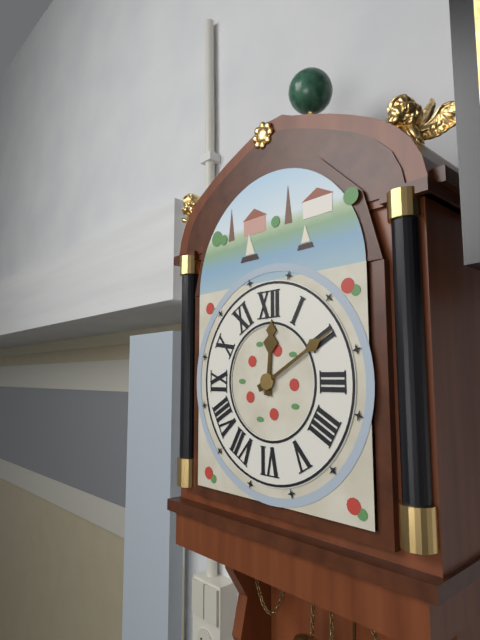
12 h 10 min
